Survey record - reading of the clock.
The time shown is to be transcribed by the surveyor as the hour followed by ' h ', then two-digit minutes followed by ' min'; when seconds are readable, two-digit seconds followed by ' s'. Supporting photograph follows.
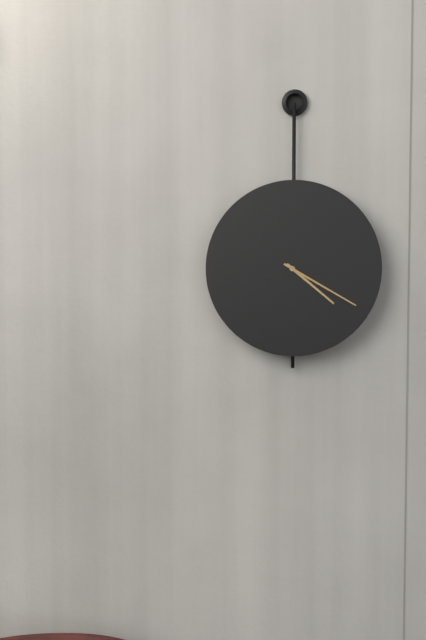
4 h 20 min
